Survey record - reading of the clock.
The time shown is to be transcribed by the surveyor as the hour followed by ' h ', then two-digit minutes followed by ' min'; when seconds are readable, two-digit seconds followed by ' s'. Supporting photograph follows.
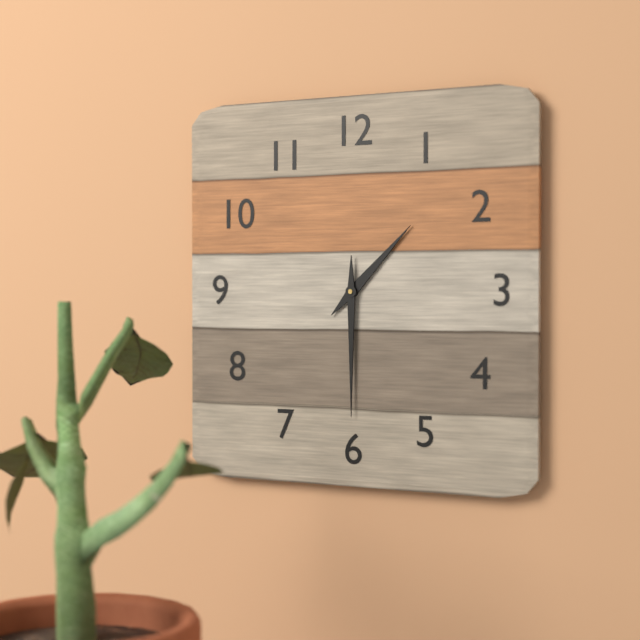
1 h 30 min
